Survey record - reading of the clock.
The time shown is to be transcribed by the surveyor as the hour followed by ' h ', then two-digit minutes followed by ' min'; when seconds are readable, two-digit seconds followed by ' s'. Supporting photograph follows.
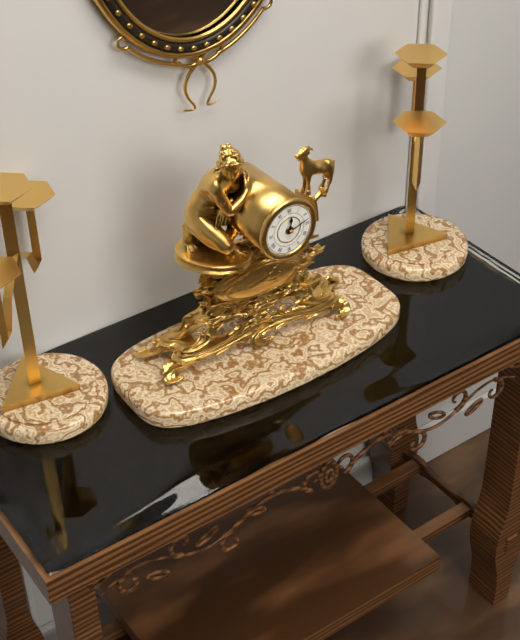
12 h 12 min
